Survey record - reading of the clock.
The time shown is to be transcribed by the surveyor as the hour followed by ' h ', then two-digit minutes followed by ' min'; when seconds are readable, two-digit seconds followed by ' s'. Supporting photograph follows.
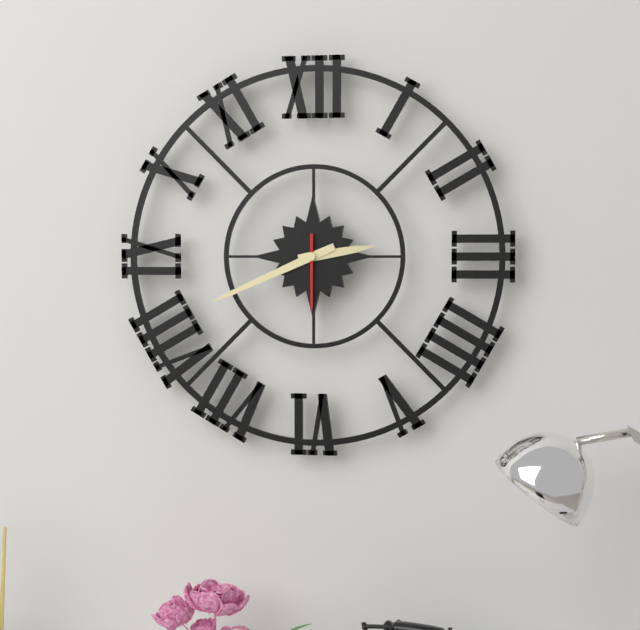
2 h 41 min 30 s
